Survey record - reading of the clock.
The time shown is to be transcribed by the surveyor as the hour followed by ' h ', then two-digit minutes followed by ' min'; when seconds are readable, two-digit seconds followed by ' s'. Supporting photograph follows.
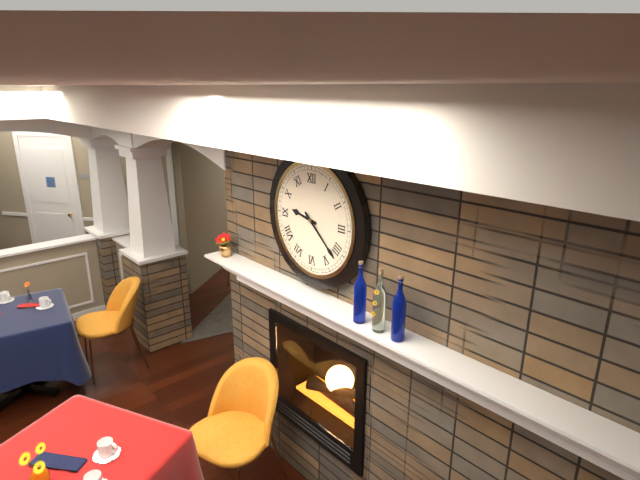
9 h 22 min
